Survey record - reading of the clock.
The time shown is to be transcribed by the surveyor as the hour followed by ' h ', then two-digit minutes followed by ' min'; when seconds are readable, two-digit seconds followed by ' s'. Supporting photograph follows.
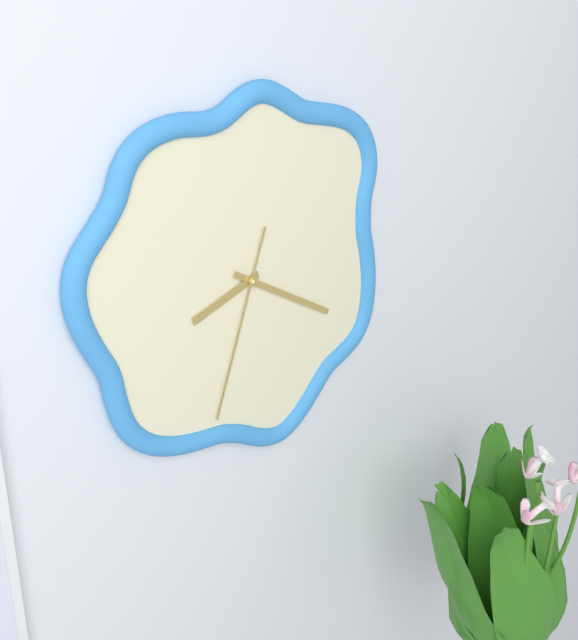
8 h 20 min 33 s
